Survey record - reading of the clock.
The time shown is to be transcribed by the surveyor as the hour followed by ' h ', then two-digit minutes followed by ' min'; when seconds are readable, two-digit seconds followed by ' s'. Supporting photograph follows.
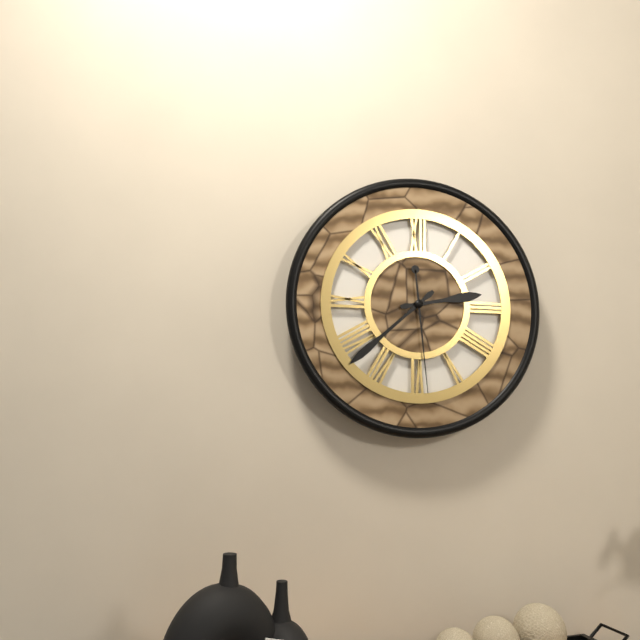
2 h 38 min 29 s
